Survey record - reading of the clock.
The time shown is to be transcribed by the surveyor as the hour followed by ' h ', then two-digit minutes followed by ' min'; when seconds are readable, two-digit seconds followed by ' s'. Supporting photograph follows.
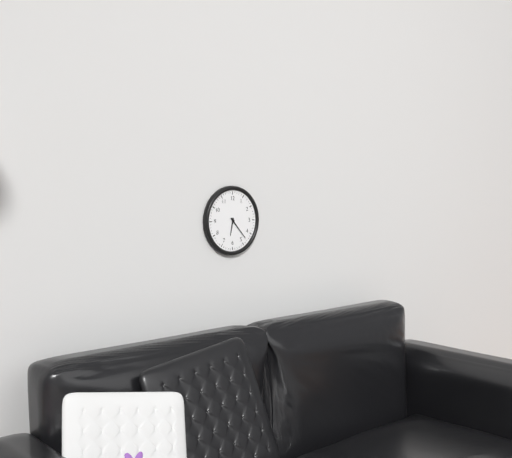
6 h 23 min
